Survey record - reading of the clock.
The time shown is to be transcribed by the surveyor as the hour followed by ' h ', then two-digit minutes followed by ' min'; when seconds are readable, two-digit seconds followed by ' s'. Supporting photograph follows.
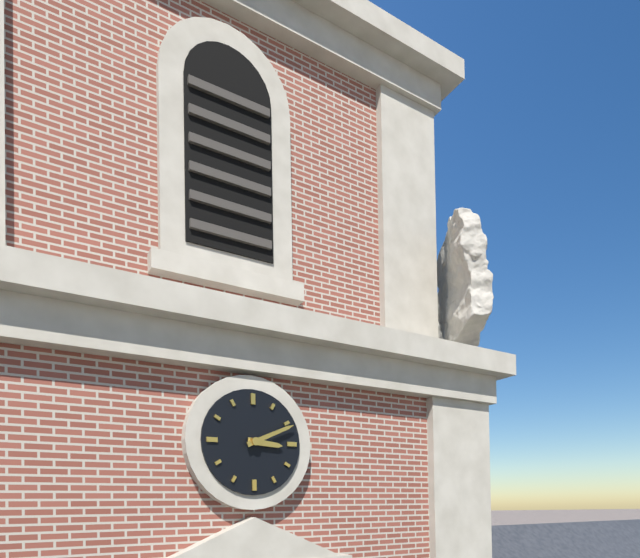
3 h 11 min
